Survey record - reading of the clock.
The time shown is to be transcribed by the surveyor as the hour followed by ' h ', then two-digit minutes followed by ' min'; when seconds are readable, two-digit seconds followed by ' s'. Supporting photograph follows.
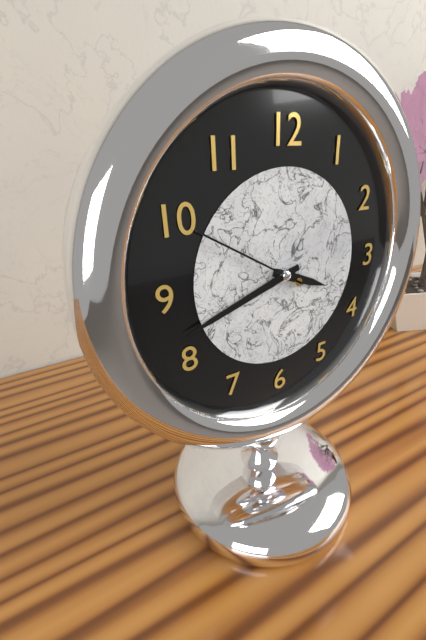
3 h 42 min 50 s
